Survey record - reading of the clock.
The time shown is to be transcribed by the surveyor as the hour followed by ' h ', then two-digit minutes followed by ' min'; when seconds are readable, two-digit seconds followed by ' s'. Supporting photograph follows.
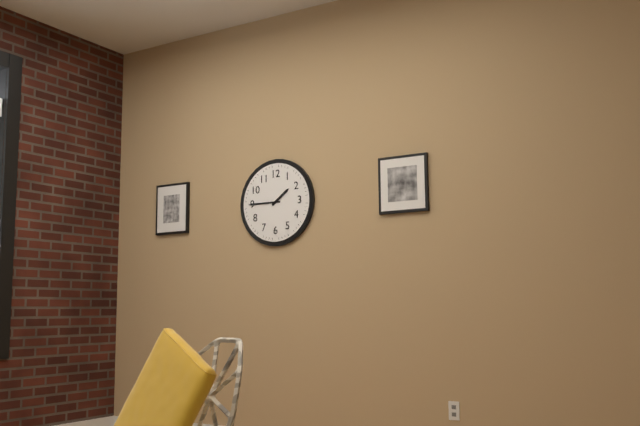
1 h 45 min
